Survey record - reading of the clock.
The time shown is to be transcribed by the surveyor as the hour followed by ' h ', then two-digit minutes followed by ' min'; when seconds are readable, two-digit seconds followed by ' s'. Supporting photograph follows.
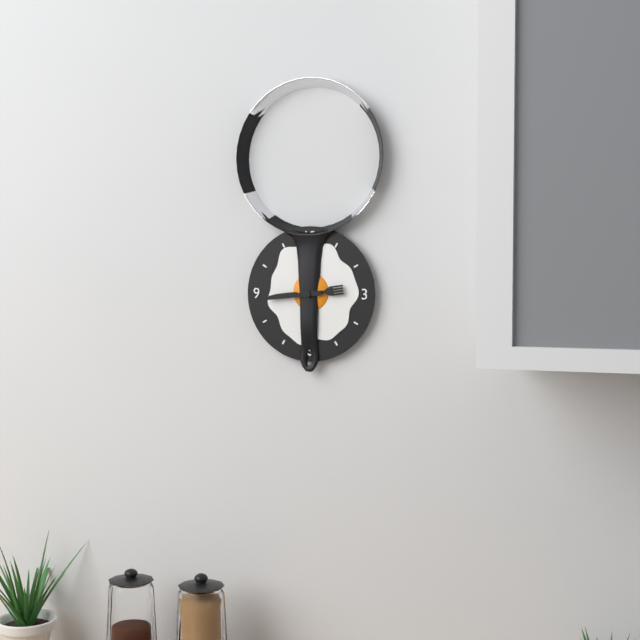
2 h 44 min
